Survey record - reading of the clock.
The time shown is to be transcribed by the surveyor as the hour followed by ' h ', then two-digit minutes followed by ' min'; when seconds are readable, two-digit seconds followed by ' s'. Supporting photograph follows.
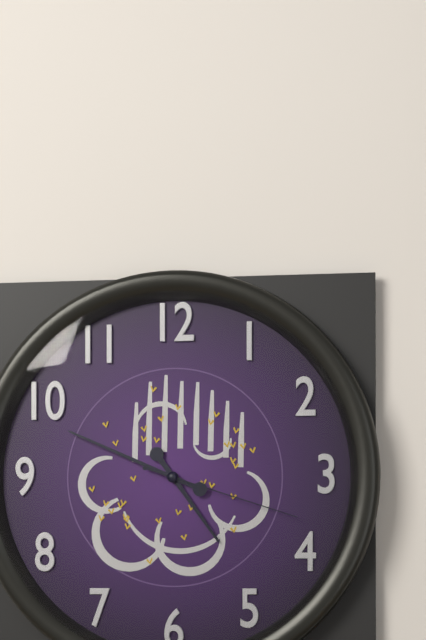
4 h 49 min 18 s
